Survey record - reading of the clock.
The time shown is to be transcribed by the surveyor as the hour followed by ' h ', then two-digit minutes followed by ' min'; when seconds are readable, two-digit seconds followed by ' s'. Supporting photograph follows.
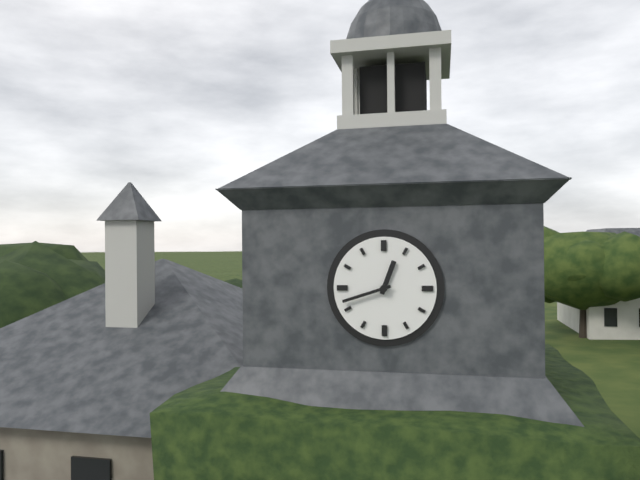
12 h 42 min
